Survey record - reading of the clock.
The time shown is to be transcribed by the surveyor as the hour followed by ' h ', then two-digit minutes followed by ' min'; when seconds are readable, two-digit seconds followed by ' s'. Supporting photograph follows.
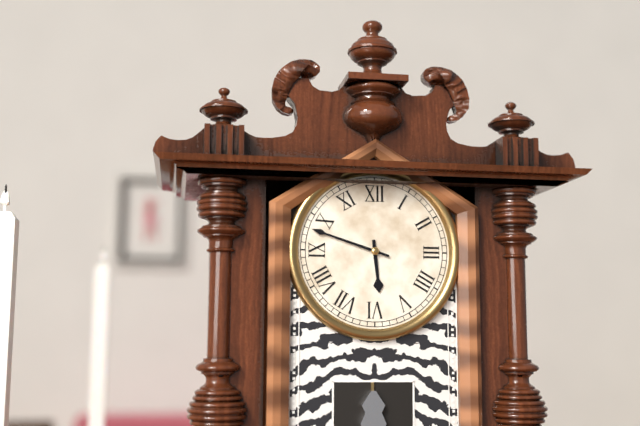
5 h 48 min
